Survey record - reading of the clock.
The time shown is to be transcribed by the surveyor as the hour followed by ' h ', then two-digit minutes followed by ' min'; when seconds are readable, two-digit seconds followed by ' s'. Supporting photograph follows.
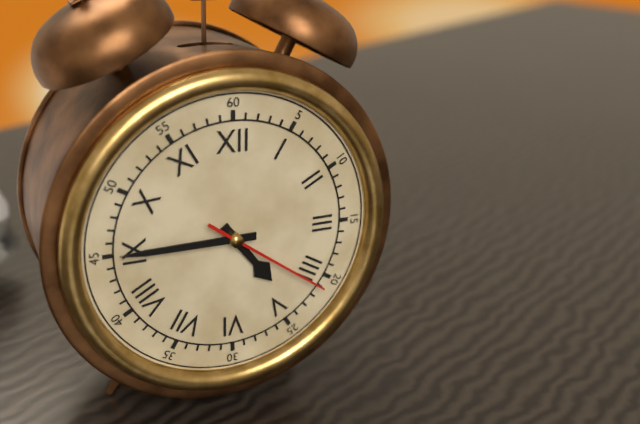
4 h 45 min 21 s
